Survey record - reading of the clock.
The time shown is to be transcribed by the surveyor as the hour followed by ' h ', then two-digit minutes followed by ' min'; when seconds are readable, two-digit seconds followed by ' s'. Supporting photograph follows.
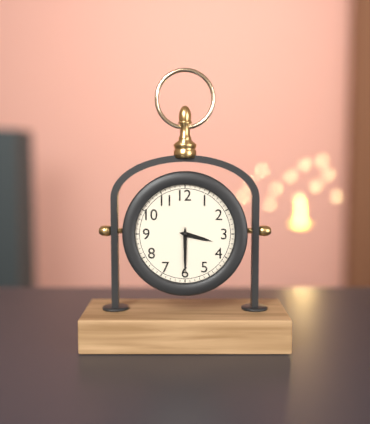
3 h 30 min
